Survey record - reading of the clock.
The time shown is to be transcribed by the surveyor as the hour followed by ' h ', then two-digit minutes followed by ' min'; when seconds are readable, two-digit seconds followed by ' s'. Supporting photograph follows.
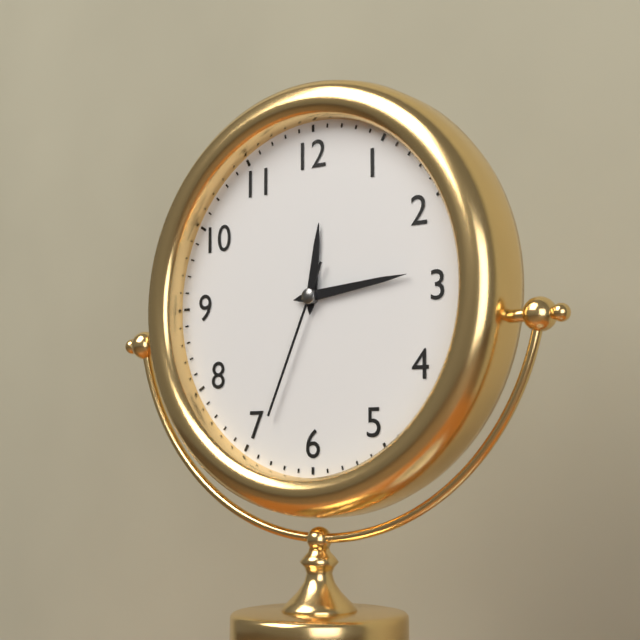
12 h 14 min 34 s
